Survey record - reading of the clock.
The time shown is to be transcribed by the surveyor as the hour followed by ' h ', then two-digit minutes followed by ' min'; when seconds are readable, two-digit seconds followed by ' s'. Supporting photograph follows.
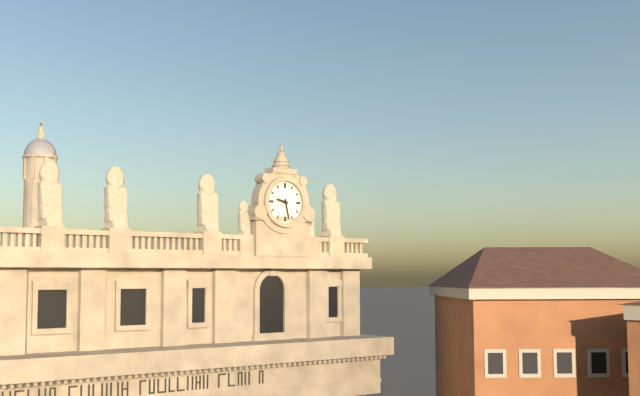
9 h 28 min
